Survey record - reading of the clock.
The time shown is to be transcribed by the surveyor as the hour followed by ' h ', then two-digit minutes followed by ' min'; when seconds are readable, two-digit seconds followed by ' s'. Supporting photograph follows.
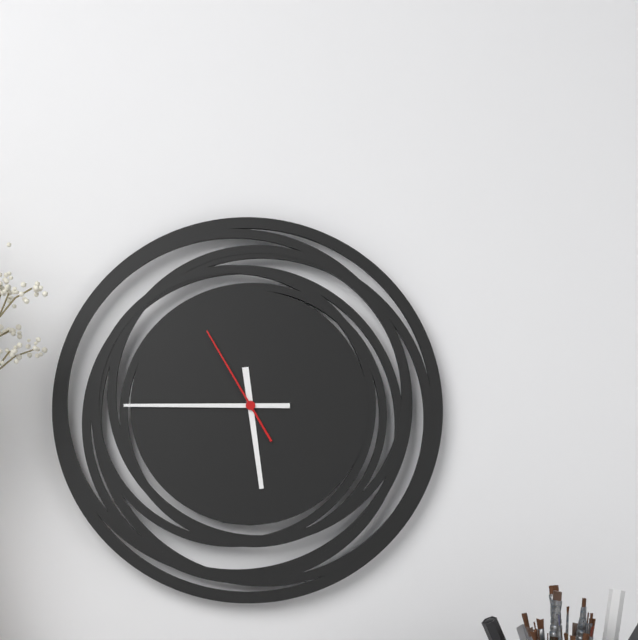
5 h 45 min 55 s
